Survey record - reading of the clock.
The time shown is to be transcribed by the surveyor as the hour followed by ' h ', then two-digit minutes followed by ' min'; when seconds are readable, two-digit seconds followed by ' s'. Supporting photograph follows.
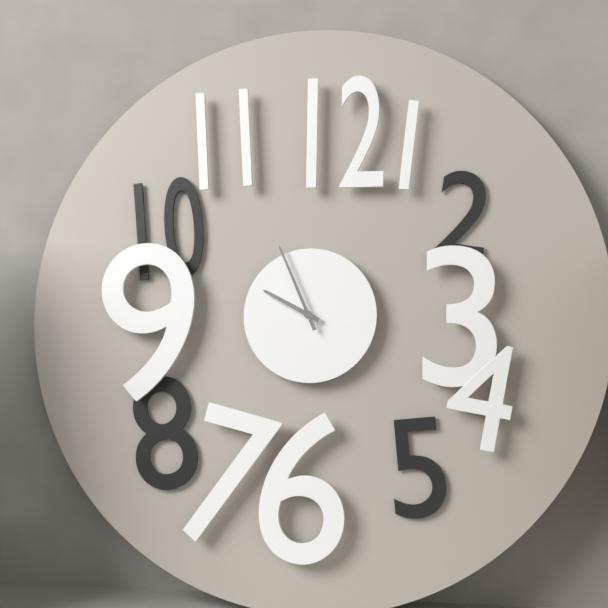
9 h 56 min
